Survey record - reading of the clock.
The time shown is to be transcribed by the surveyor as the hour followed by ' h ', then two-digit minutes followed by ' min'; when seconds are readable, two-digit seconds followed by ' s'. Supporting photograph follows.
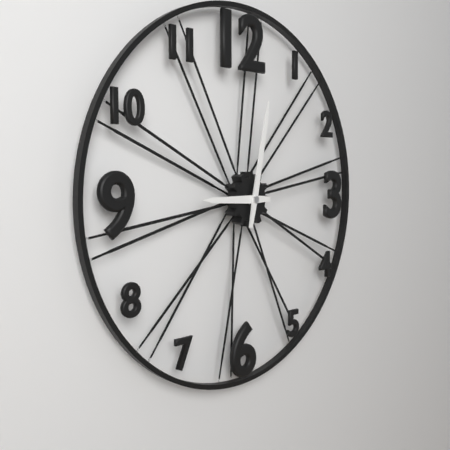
9 h 02 min
